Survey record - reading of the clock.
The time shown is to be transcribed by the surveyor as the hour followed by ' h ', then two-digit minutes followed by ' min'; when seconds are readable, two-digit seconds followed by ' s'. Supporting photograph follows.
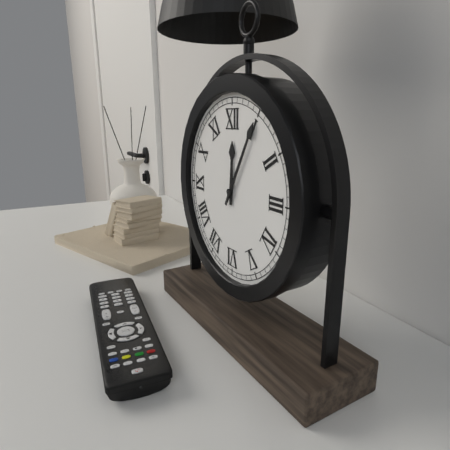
12 h 05 min
